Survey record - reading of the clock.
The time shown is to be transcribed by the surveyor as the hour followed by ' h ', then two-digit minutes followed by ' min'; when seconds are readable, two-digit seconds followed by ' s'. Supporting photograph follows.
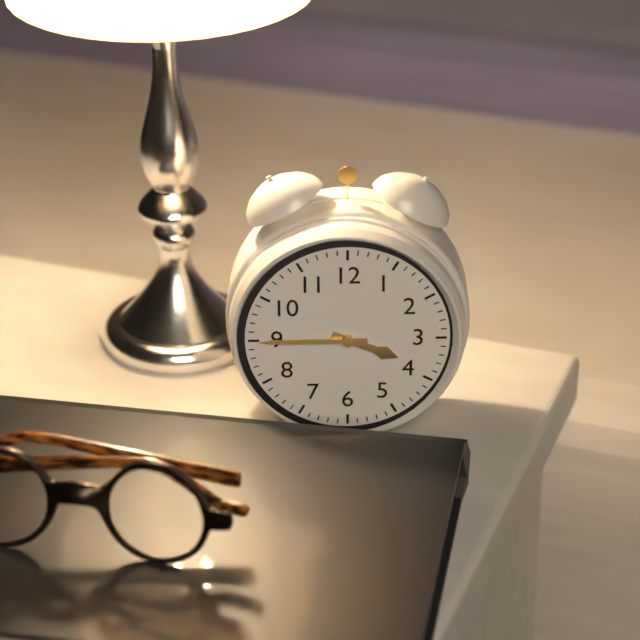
3 h 45 min
